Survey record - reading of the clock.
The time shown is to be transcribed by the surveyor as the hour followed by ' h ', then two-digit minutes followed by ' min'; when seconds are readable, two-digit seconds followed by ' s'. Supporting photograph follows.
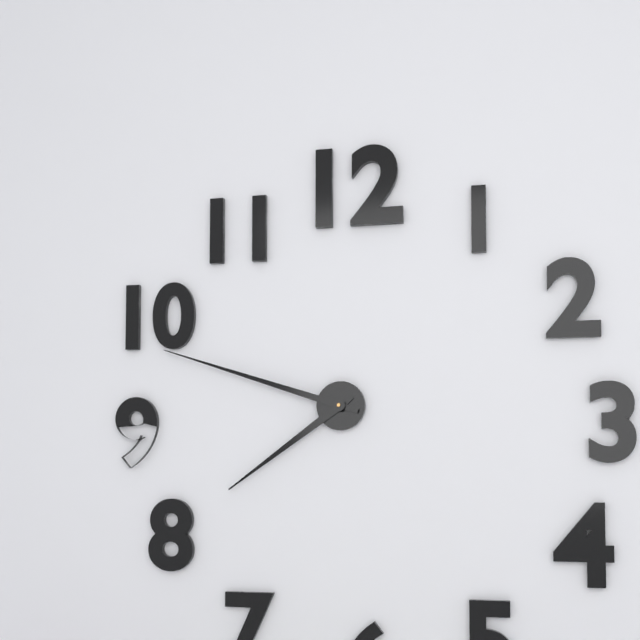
7 h 48 min
